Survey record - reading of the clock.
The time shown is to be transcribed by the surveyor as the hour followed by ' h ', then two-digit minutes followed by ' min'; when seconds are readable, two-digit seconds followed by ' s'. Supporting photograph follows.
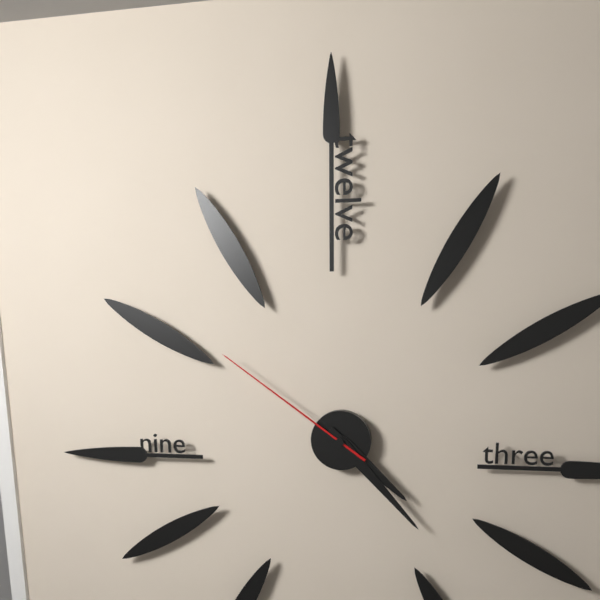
4 h 23 min 51 s
